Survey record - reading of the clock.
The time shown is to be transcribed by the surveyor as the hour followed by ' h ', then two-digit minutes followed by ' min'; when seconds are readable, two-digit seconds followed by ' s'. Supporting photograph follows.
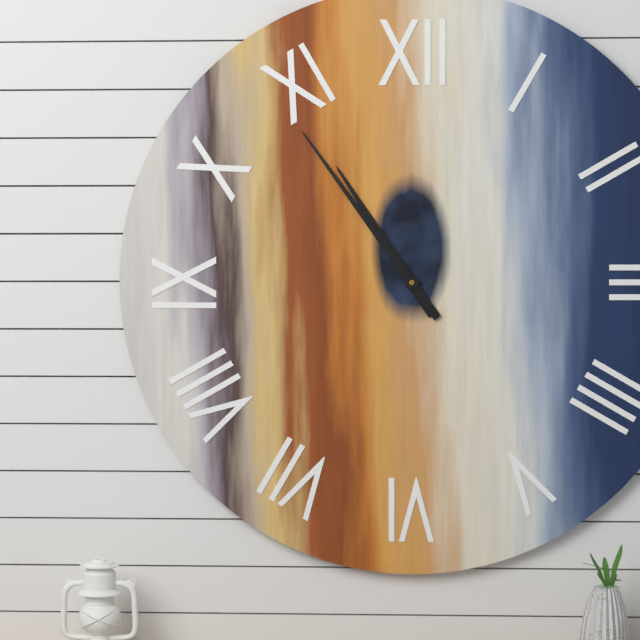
10 h 54 min
